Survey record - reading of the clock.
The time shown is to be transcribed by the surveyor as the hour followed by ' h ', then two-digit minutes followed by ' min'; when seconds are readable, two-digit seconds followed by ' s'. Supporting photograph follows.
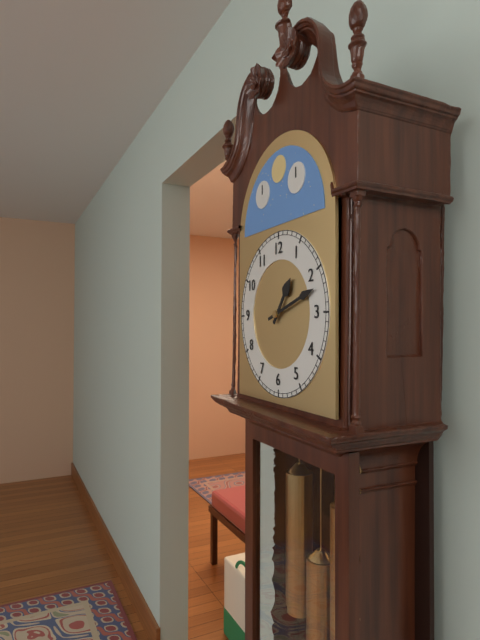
1 h 12 min
